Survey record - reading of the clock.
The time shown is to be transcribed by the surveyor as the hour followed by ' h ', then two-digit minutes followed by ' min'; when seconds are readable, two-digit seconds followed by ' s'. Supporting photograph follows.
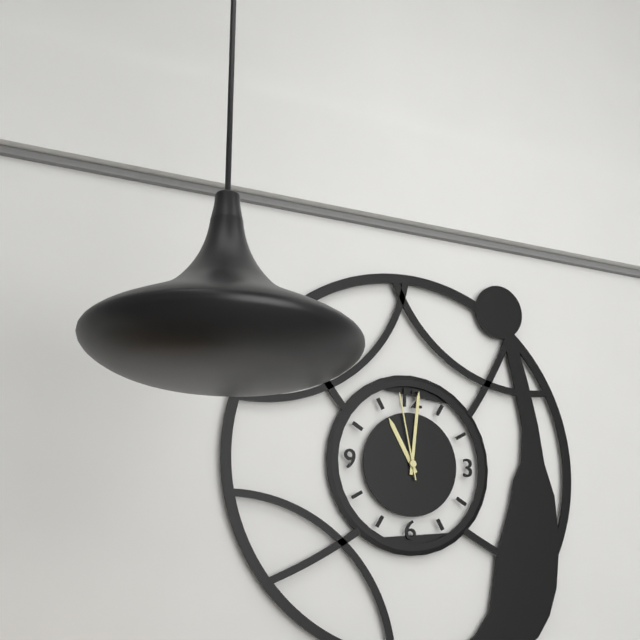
11 h 01 min 58 s
